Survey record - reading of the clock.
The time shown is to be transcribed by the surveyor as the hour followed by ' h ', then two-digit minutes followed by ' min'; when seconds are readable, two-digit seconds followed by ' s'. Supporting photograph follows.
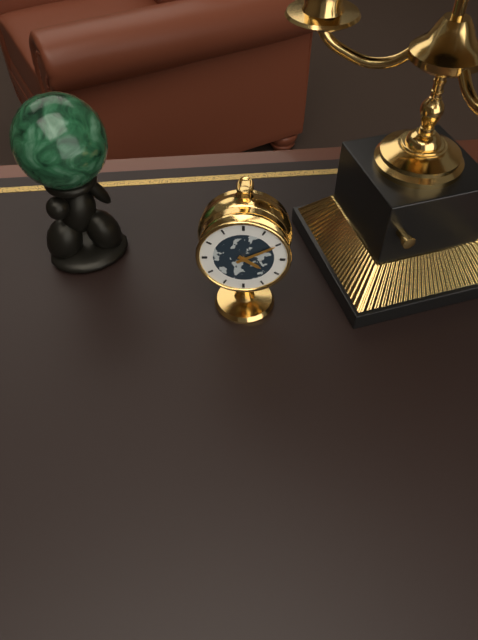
4 h 10 min
